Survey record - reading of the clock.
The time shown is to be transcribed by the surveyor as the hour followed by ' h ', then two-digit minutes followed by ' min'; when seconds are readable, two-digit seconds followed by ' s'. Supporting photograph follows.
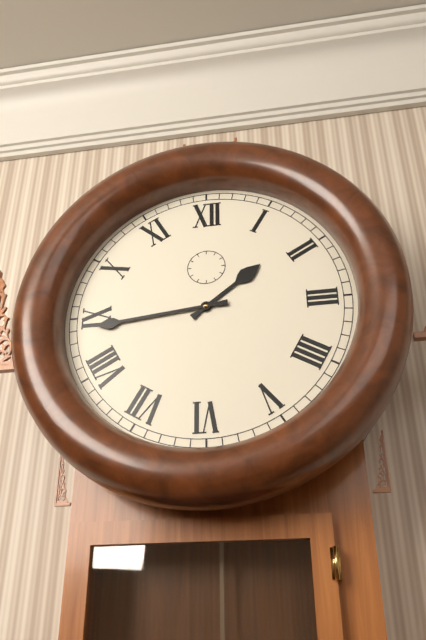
1 h 44 min
